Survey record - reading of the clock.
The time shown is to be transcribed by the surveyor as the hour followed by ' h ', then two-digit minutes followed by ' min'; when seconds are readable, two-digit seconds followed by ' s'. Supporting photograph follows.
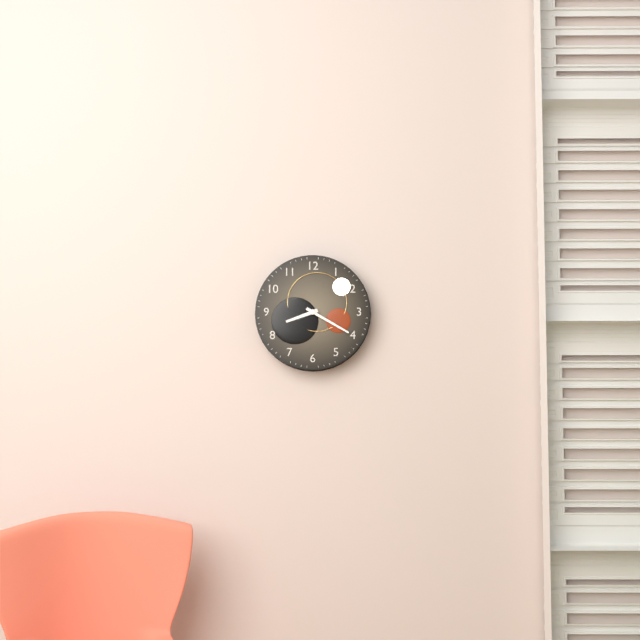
8 h 20 min
